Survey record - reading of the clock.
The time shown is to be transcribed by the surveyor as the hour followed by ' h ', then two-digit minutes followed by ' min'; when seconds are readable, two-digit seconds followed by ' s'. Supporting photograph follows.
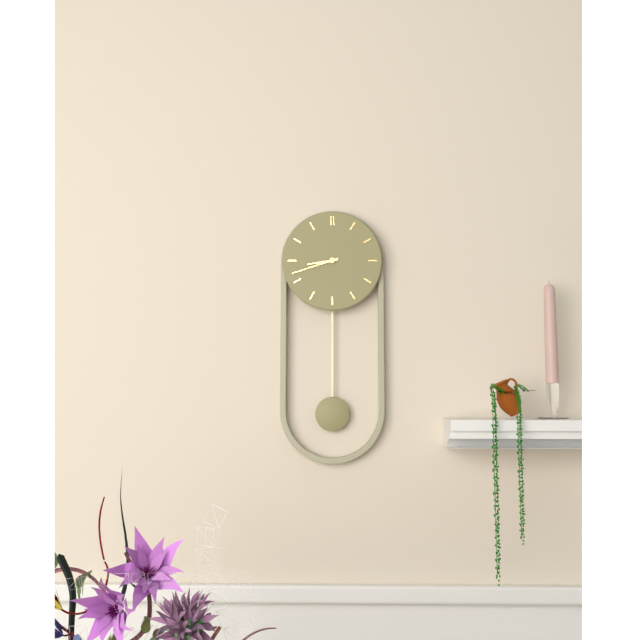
8 h 42 min
